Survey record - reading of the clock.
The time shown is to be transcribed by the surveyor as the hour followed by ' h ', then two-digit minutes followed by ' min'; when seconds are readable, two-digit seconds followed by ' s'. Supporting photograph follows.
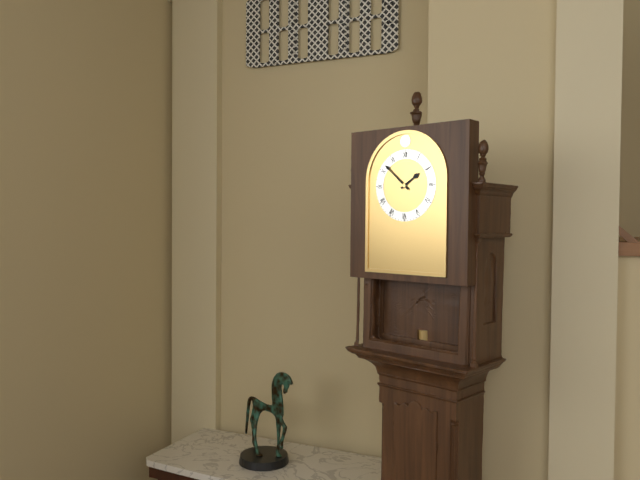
1 h 52 min
